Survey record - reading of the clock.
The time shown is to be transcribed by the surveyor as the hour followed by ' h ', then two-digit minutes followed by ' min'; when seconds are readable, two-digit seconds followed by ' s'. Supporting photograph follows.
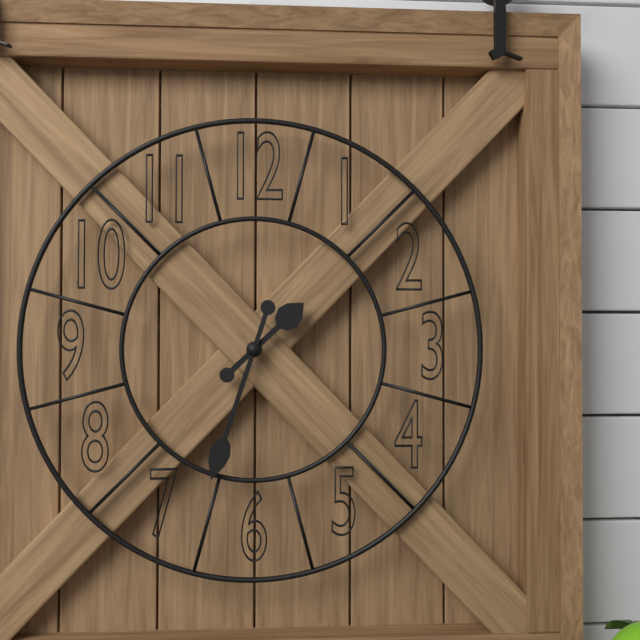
1 h 33 min
